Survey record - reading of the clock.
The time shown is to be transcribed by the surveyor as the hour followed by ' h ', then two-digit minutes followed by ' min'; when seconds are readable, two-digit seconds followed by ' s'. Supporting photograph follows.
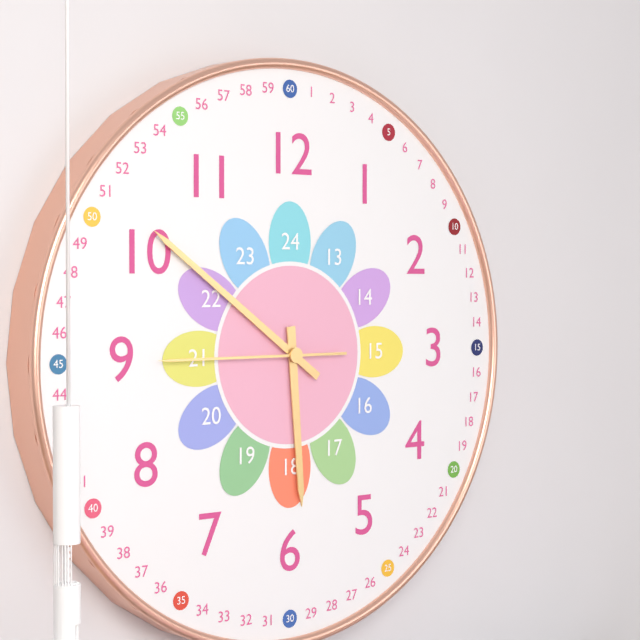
5 h 51 min 45 s
